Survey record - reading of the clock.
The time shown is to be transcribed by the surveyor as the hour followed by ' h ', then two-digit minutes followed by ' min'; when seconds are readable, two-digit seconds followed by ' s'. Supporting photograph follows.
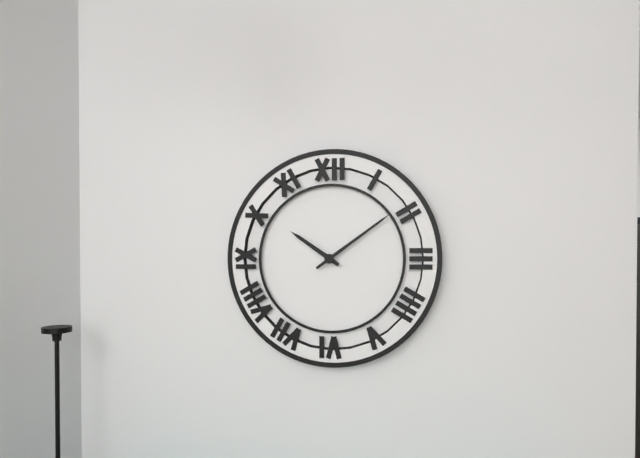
10 h 09 min
